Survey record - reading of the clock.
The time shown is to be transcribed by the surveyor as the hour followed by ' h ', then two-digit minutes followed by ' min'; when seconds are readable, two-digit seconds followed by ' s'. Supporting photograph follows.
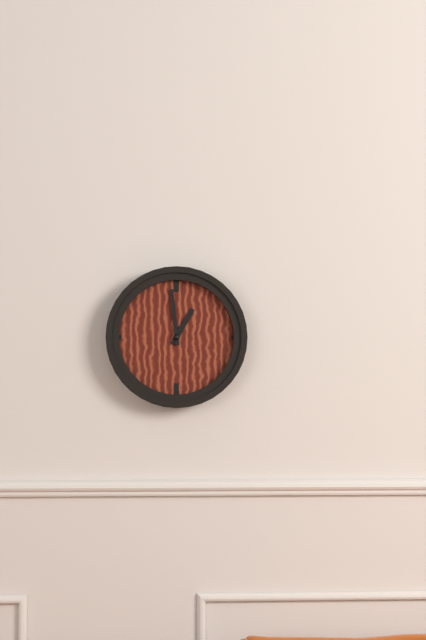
12 h 59 min
